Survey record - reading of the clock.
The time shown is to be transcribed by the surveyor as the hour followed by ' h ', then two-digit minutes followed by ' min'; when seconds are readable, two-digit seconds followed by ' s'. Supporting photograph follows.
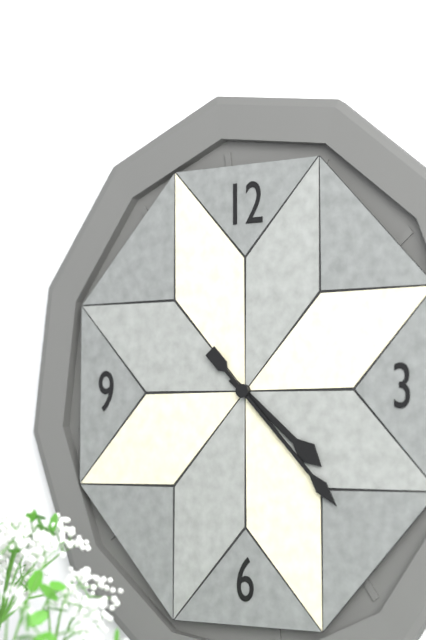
4 h 23 min
